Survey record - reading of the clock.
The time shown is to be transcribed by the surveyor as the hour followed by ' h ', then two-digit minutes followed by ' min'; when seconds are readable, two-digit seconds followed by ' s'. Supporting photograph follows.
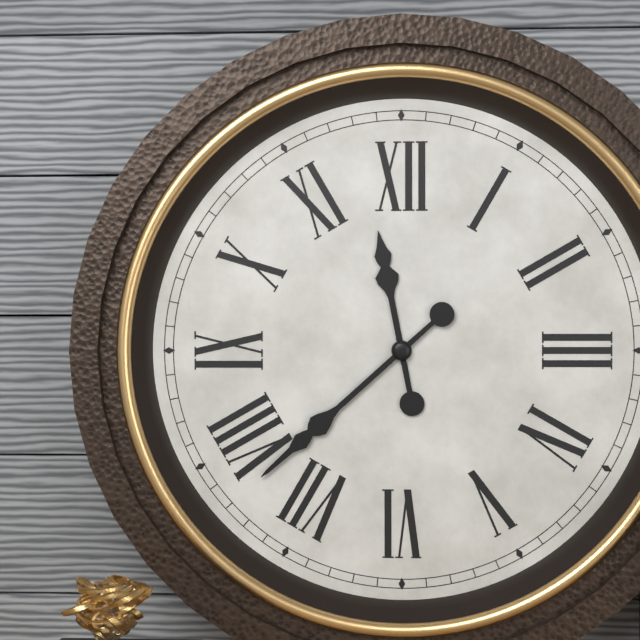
11 h 38 min
